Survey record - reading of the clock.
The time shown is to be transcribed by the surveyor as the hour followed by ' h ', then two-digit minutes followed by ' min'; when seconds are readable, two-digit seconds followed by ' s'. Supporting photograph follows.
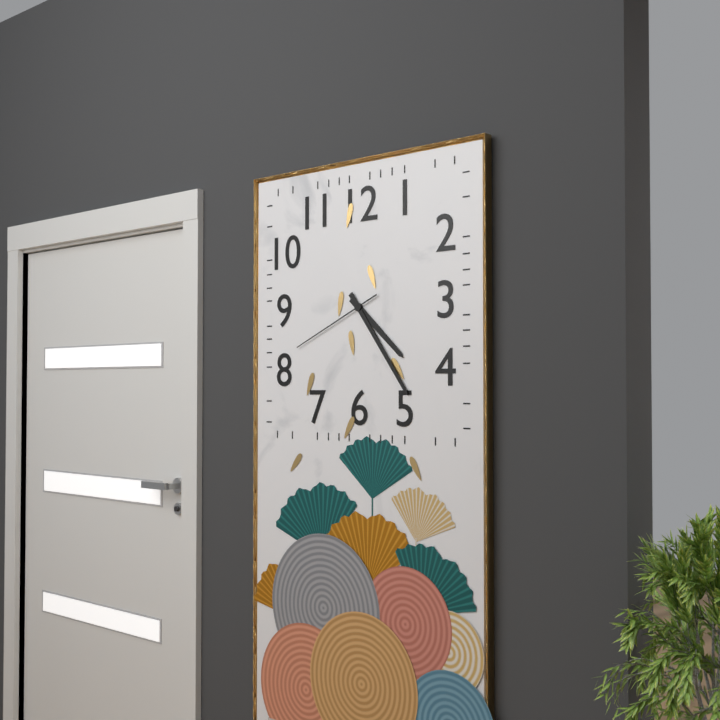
4 h 24 min 41 s
